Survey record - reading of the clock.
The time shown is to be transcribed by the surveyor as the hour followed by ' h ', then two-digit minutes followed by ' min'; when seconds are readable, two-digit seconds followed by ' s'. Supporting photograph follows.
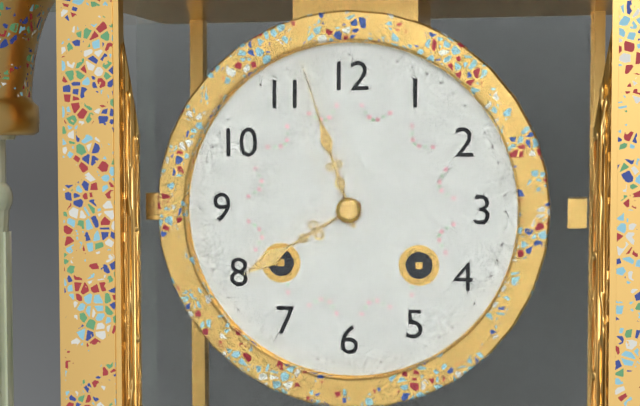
7 h 57 min
